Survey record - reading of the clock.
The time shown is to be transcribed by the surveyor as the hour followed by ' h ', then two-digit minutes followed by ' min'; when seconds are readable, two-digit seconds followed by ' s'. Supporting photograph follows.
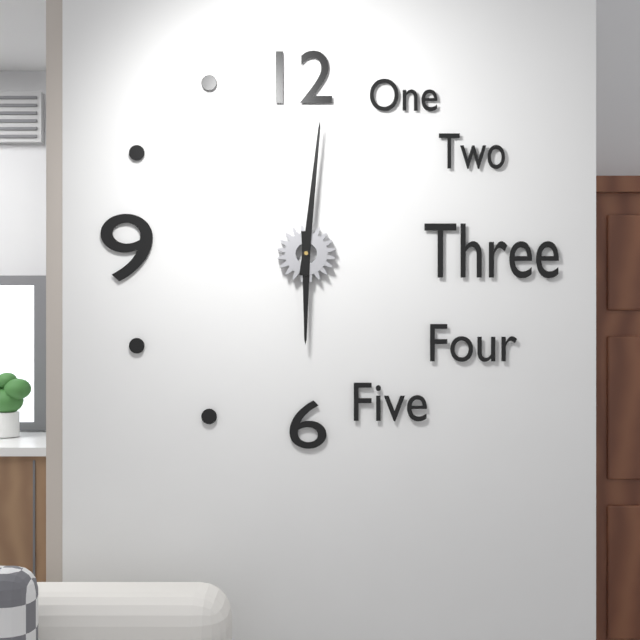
6 h 01 min
